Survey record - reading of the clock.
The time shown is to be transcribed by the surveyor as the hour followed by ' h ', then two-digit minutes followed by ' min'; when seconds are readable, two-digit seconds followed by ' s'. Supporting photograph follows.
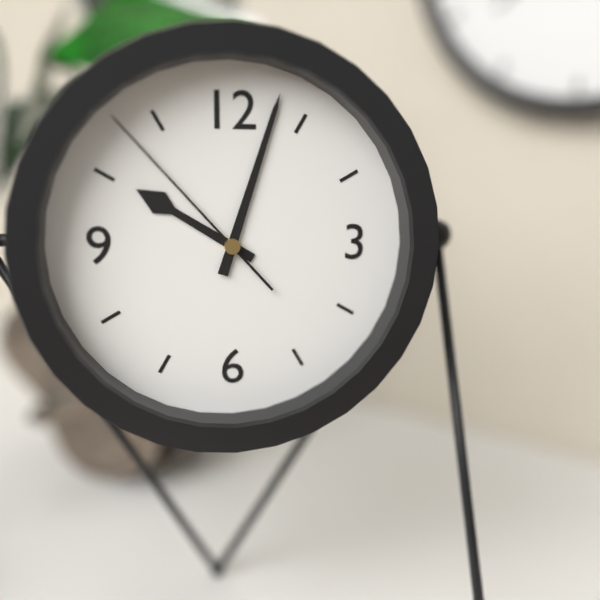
10 h 03 min 53 s
